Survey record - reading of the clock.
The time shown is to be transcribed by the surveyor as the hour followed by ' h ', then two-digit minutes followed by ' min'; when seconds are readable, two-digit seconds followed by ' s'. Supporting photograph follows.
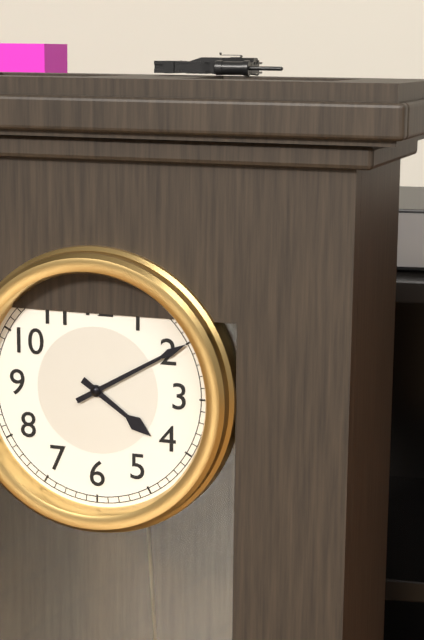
4 h 10 min
